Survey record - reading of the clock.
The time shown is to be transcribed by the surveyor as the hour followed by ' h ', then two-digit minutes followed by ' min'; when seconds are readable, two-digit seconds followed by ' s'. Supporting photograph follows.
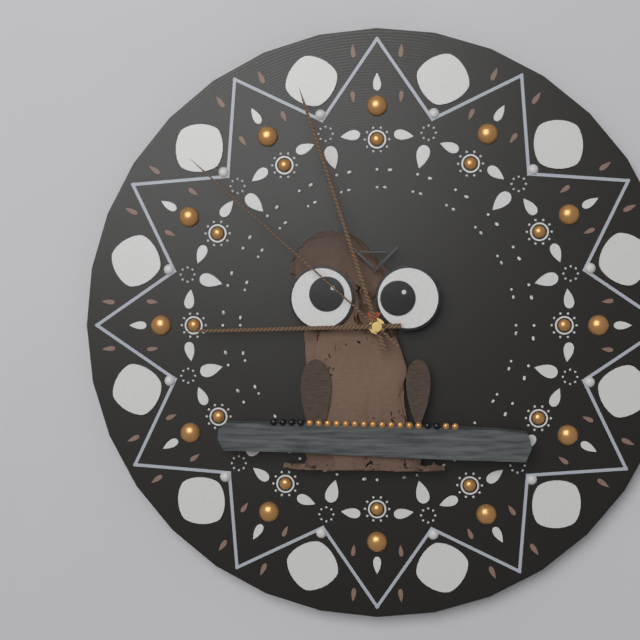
8 h 57 min 52 s
